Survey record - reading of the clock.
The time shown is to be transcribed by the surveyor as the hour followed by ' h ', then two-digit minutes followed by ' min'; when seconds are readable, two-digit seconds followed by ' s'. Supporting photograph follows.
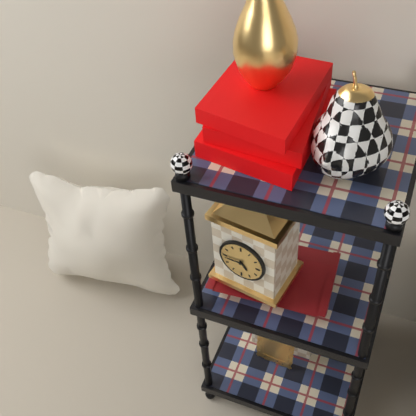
4 h 44 min
